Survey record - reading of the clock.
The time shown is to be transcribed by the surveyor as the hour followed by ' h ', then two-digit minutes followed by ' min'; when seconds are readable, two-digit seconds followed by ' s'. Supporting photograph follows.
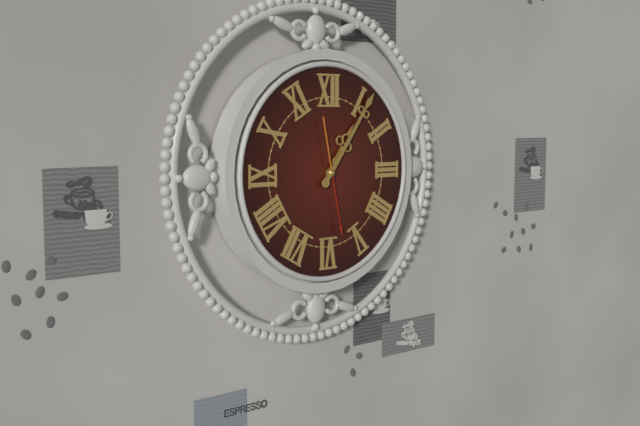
1 h 06 min 28 s
